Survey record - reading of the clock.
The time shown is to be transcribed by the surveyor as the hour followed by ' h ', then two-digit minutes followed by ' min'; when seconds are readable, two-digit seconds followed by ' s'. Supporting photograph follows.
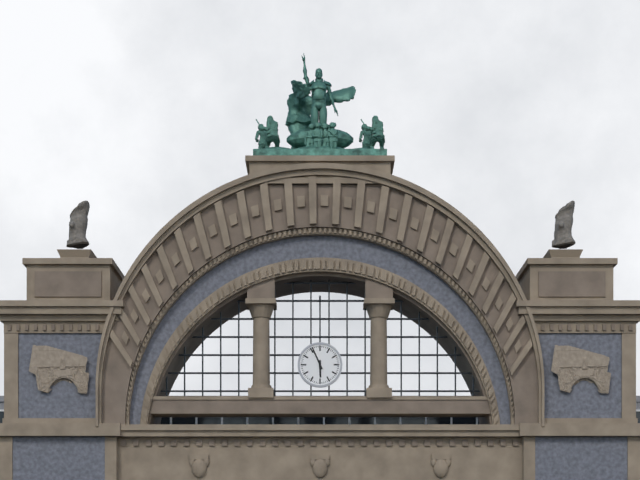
5 h 56 min
